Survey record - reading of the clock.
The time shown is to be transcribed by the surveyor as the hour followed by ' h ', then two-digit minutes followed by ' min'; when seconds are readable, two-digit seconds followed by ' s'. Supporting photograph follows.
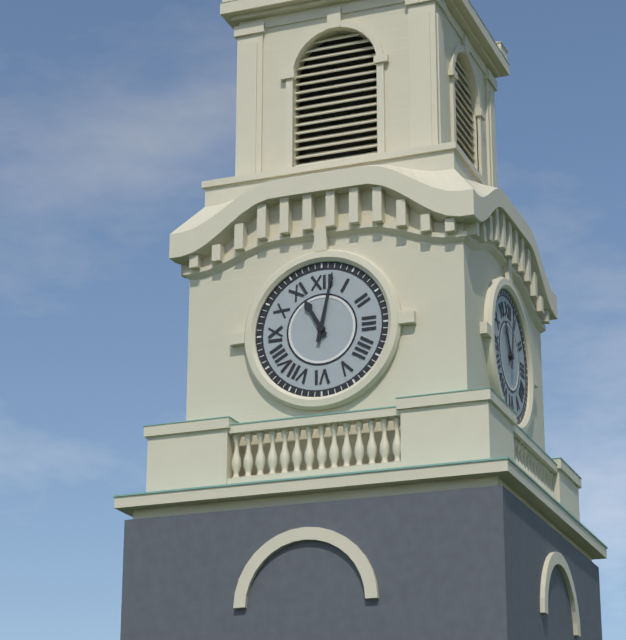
11 h 02 min
